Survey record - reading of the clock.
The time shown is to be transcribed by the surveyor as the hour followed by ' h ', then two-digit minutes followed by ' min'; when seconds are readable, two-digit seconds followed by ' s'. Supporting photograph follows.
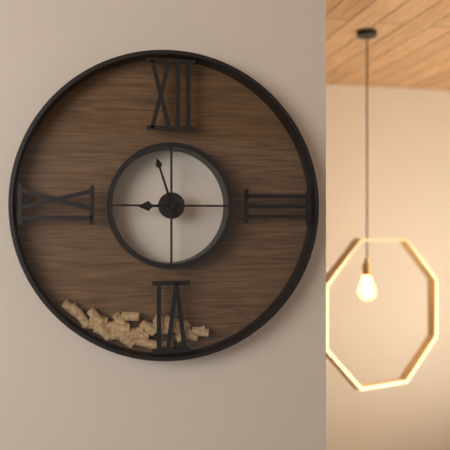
8 h 57 min
